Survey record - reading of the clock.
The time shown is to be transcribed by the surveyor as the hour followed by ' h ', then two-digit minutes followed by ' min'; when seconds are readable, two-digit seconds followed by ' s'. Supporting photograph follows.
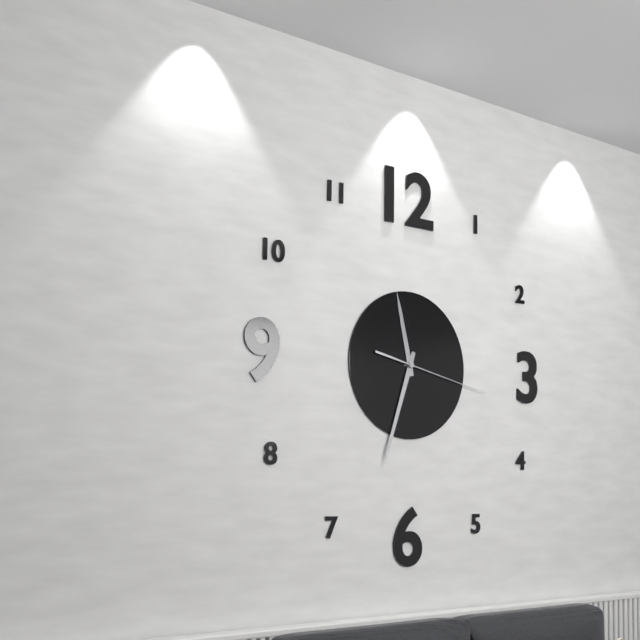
11 h 33 min 17 s
